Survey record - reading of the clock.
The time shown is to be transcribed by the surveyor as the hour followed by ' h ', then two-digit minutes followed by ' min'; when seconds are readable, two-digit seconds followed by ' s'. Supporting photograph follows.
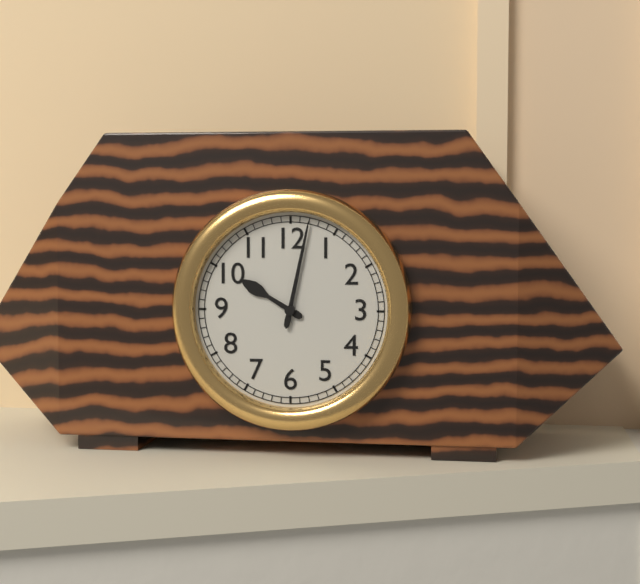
10 h 02 min
